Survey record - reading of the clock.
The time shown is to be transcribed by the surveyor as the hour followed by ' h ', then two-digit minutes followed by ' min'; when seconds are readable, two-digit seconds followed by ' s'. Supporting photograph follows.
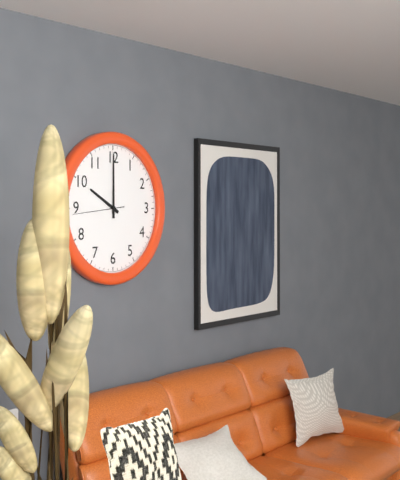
10 h 00 min 44 s
